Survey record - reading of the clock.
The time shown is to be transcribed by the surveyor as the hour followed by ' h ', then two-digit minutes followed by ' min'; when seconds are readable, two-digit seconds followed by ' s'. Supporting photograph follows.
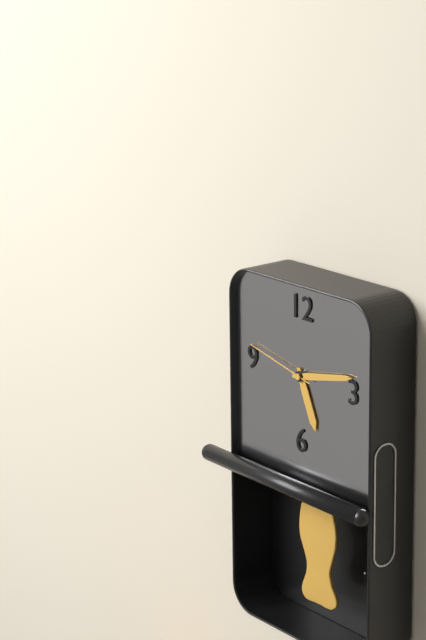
5 h 13 min 47 s
